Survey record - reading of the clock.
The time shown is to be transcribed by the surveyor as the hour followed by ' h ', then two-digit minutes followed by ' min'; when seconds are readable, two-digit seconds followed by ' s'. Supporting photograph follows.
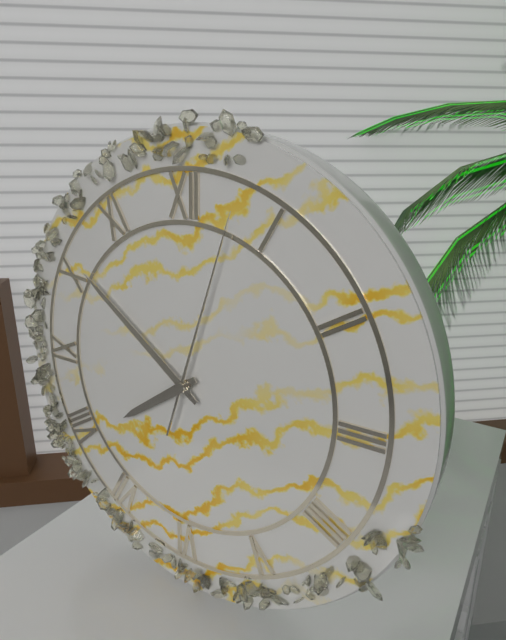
7 h 51 min 03 s
